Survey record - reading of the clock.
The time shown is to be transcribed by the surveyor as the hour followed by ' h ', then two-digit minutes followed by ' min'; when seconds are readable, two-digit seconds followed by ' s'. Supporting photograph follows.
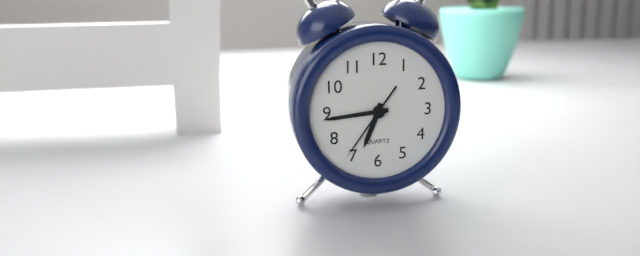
6 h 44 min 36 s
